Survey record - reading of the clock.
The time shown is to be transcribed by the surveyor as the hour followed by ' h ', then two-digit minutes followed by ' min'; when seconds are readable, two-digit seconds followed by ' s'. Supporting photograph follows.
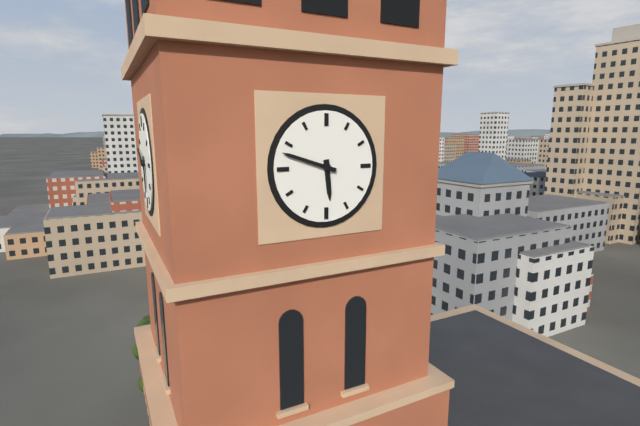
5 h 48 min
